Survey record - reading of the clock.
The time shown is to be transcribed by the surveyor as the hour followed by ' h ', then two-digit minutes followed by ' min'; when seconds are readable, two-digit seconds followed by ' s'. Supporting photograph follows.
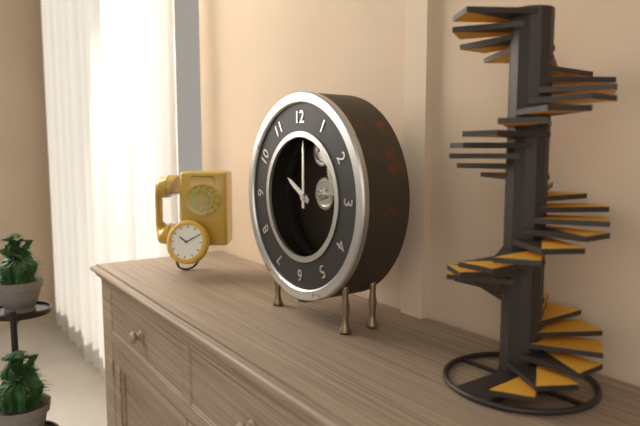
10 h 00 min
